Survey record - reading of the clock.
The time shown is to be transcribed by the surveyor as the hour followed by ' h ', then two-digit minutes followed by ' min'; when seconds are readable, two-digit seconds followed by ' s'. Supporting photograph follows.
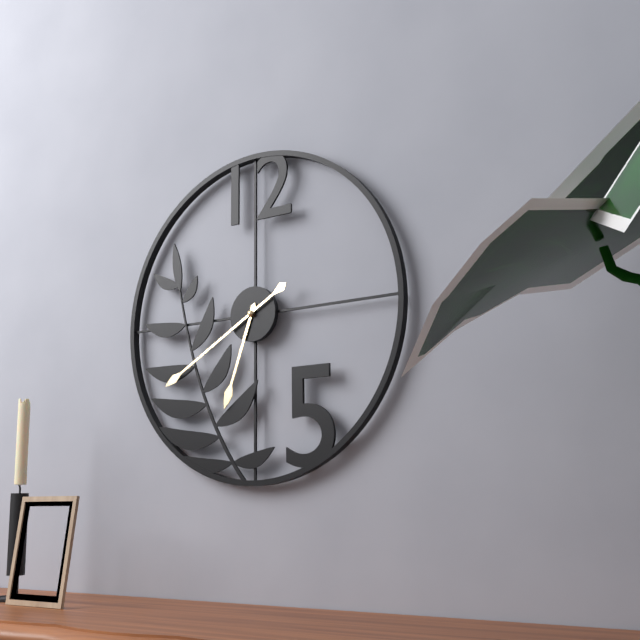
6 h 40 min
